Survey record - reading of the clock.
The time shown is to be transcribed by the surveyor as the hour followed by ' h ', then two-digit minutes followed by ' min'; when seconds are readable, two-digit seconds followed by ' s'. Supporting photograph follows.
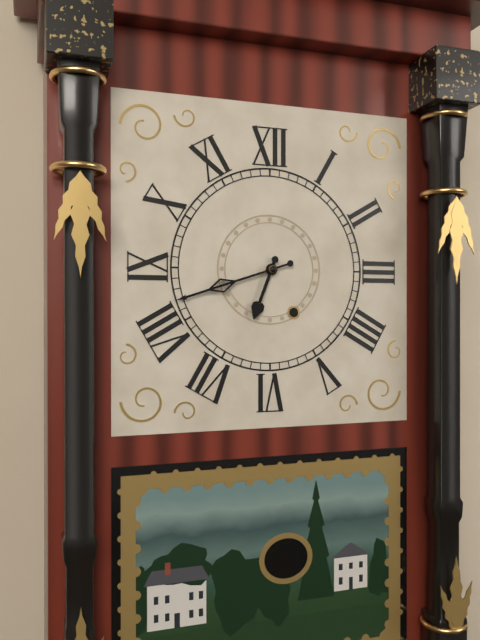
6 h 42 min
